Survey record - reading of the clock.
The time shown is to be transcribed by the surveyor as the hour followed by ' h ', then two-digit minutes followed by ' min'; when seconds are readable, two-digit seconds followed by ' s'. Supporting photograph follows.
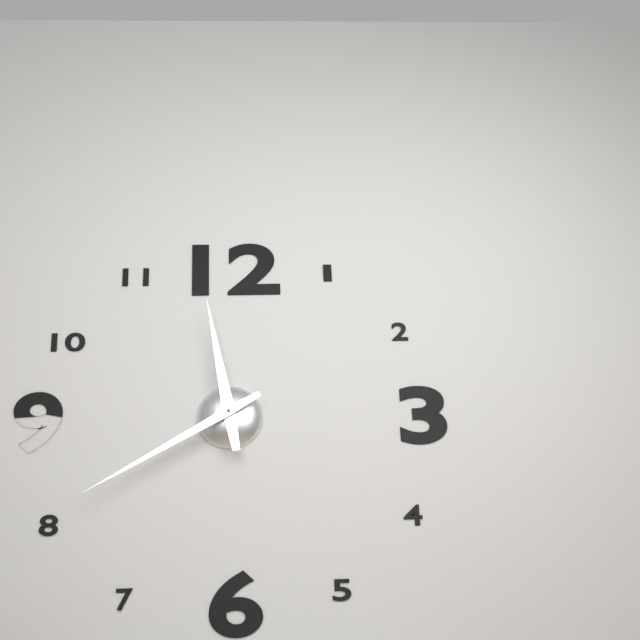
11 h 40 min
